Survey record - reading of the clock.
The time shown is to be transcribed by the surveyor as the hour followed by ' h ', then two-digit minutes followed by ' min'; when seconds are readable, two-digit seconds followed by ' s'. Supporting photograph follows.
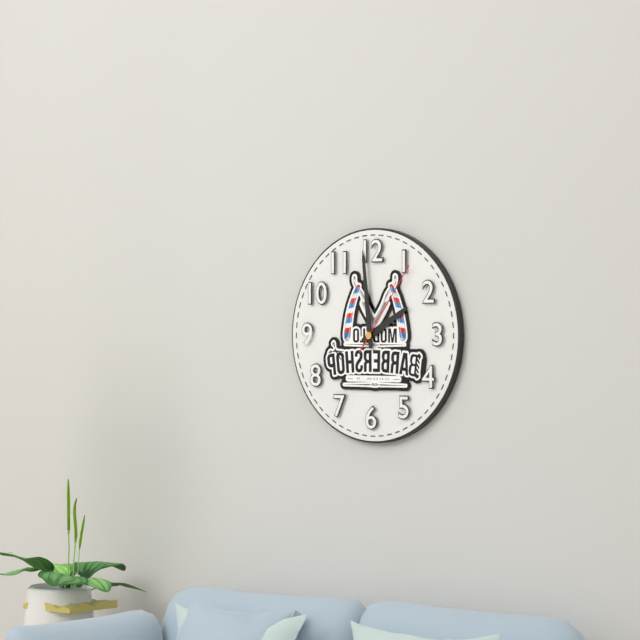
1 h 59 min 06 s
